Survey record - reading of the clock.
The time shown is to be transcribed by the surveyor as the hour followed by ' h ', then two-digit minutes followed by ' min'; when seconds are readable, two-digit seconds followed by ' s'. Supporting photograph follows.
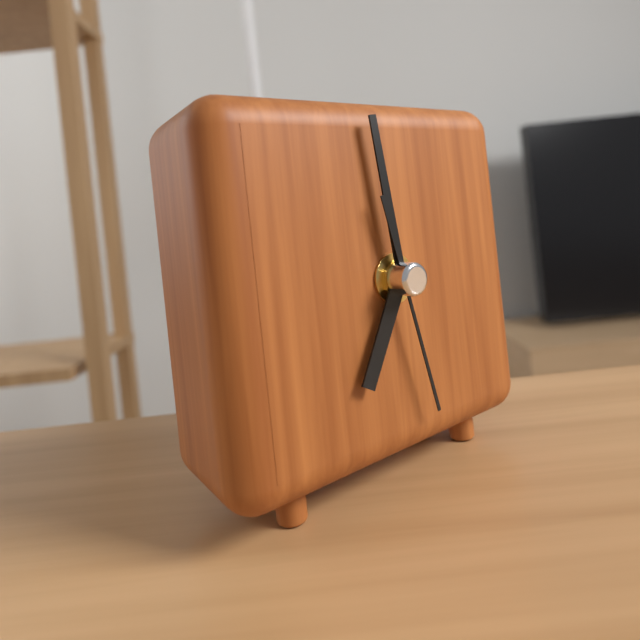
6 h 59 min 28 s
